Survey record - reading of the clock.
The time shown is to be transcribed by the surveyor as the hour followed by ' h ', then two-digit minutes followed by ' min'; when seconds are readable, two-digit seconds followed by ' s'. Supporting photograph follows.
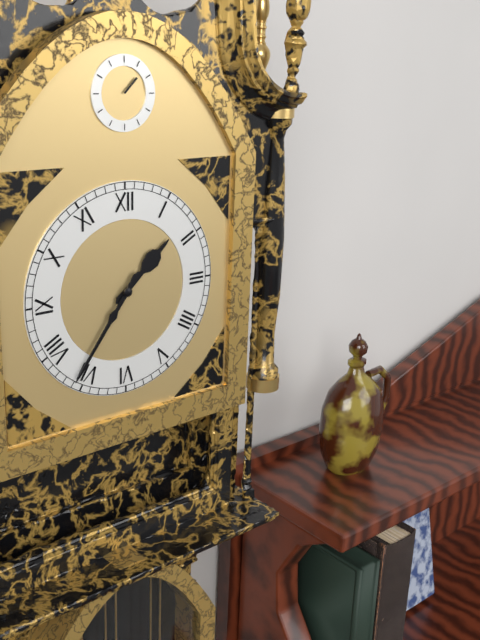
1 h 36 min
